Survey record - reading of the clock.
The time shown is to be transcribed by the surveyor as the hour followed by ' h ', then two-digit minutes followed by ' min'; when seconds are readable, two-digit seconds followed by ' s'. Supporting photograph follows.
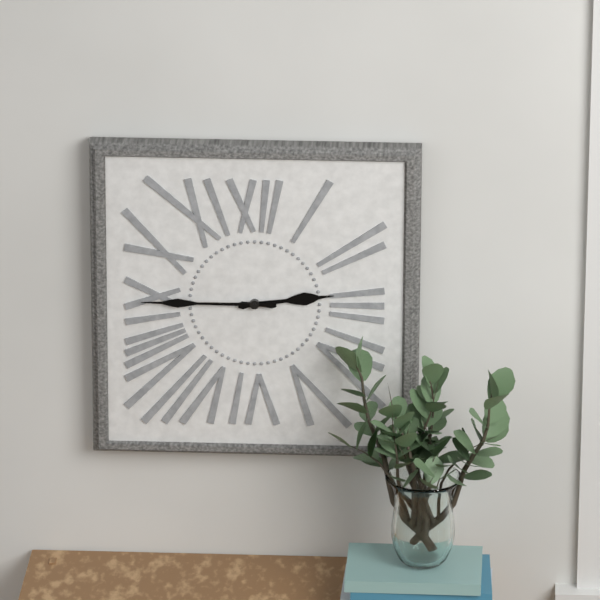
2 h 45 min
